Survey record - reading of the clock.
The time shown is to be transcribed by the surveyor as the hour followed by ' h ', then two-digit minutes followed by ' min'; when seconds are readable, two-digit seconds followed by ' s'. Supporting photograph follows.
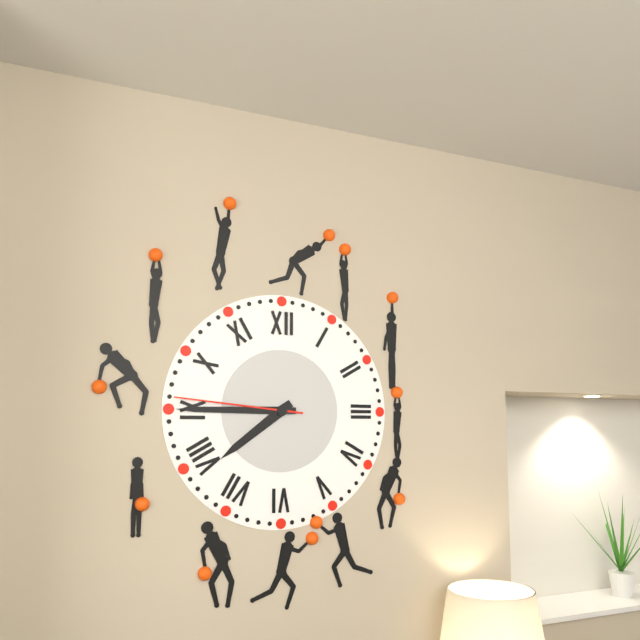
7 h 45 min 46 s
